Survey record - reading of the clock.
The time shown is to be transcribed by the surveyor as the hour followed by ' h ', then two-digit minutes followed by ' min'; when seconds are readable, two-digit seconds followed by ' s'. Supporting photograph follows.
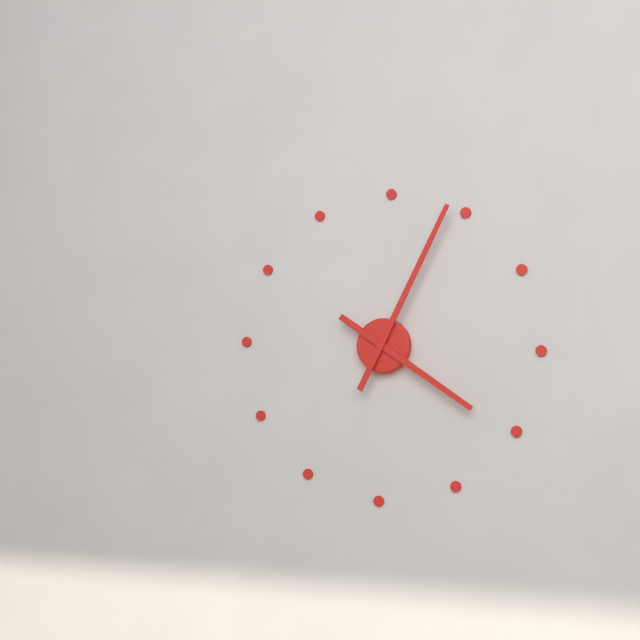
4 h 04 min
